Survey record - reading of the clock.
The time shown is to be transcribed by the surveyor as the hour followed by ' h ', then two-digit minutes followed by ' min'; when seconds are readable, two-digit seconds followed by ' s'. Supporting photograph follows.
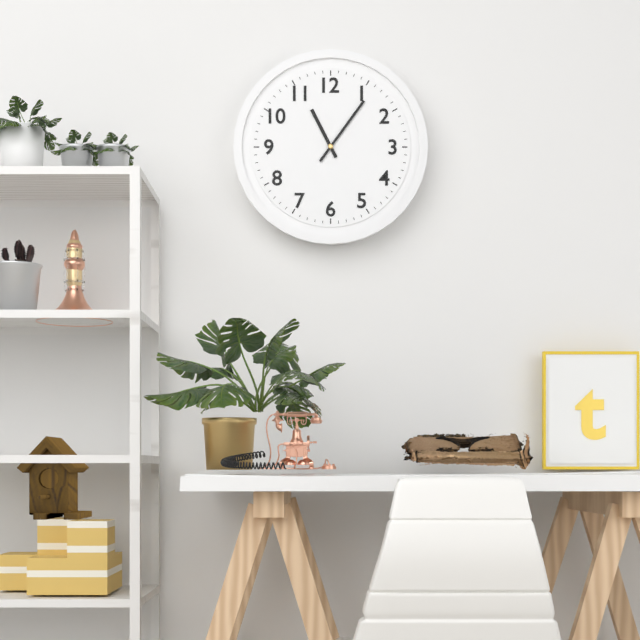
11 h 06 min
